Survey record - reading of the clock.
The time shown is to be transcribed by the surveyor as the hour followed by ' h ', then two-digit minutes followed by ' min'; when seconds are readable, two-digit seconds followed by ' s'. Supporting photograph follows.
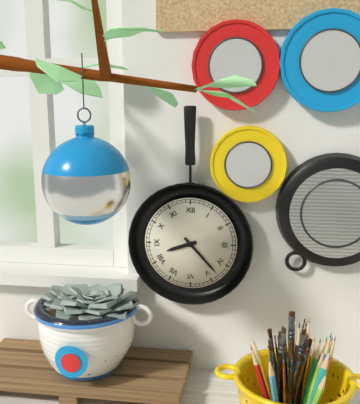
8 h 23 min
